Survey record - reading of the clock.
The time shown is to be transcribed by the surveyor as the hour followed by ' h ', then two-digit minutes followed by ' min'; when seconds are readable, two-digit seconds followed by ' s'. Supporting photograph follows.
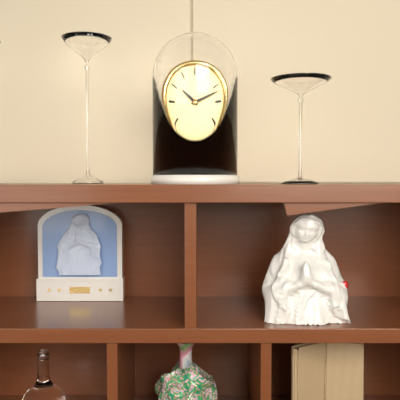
10 h 12 min
